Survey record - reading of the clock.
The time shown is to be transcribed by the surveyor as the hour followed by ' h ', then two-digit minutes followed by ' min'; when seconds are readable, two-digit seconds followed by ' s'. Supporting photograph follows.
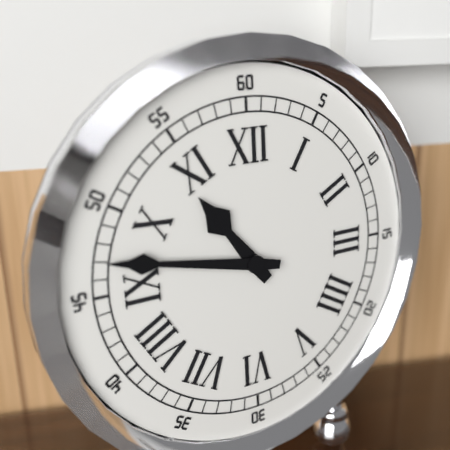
10 h 47 min
